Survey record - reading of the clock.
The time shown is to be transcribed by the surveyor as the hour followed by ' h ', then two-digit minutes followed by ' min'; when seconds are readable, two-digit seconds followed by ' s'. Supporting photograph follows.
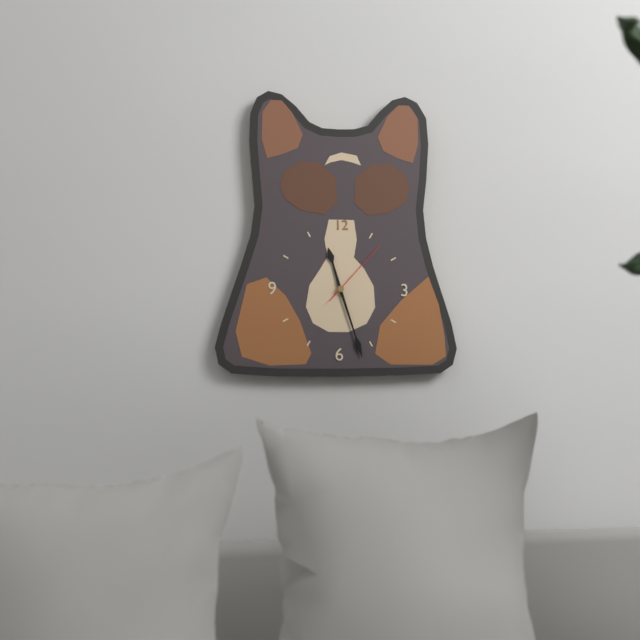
11 h 27 min 07 s
